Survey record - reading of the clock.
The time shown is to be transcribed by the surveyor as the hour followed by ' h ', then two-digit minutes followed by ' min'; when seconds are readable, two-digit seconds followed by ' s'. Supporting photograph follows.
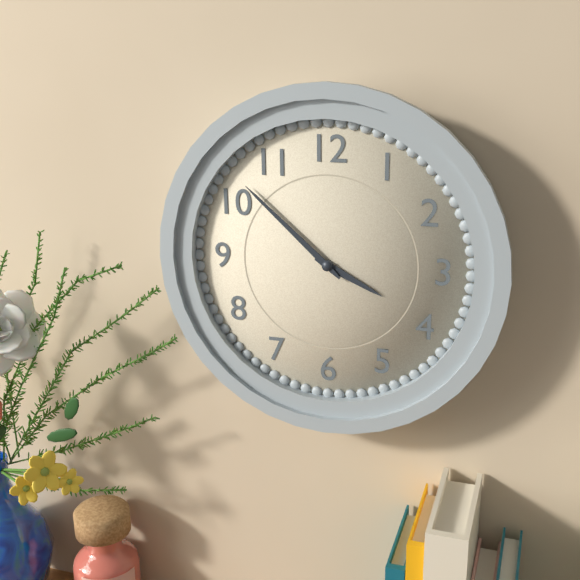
3 h 52 min
